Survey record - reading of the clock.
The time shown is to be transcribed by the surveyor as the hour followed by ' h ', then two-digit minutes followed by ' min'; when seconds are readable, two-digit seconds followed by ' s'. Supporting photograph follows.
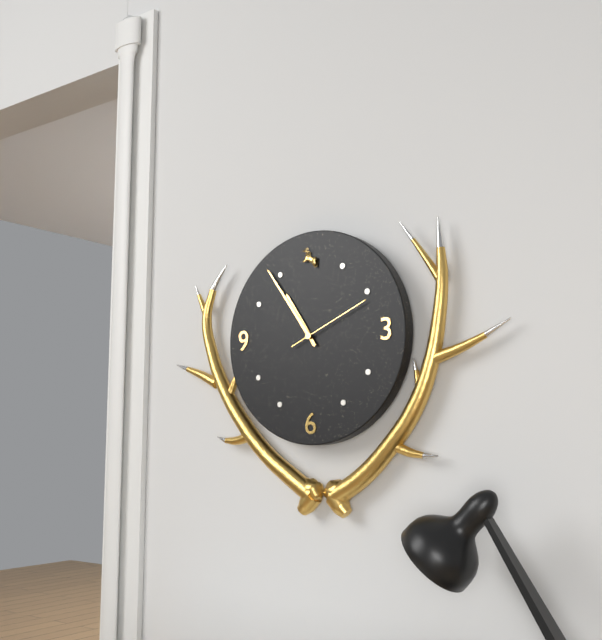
10 h 54 min 11 s
